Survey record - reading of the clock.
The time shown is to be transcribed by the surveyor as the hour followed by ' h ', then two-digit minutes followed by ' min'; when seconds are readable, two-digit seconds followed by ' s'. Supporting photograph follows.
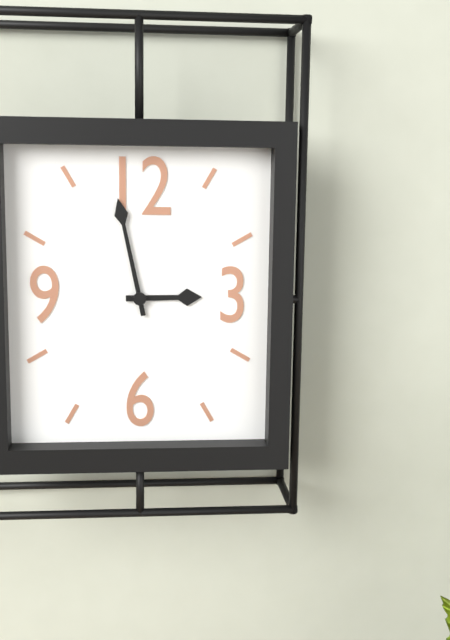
2 h 58 min
